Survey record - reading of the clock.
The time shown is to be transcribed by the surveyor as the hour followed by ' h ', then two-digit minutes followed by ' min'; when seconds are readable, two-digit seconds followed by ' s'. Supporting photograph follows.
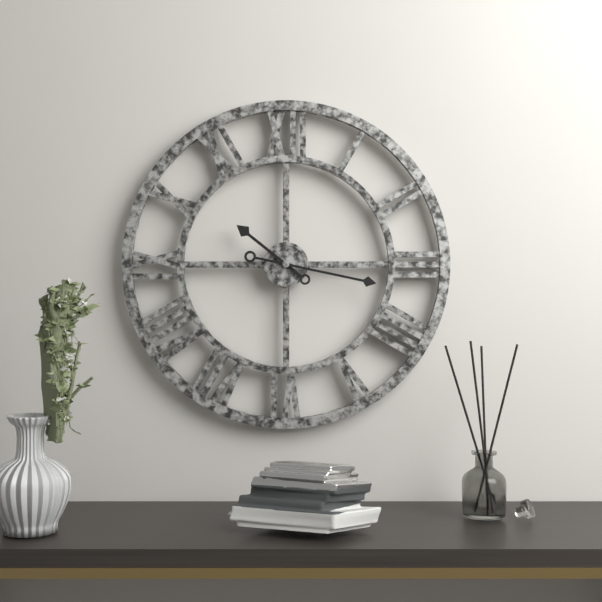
10 h 17 min
